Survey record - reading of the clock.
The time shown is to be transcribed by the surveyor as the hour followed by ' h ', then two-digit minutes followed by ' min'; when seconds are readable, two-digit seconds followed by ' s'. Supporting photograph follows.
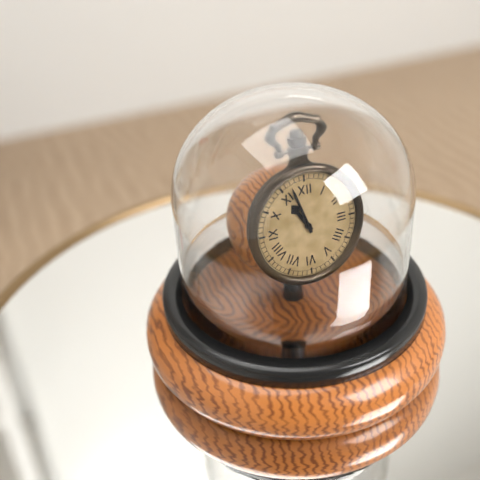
10 h 57 min
